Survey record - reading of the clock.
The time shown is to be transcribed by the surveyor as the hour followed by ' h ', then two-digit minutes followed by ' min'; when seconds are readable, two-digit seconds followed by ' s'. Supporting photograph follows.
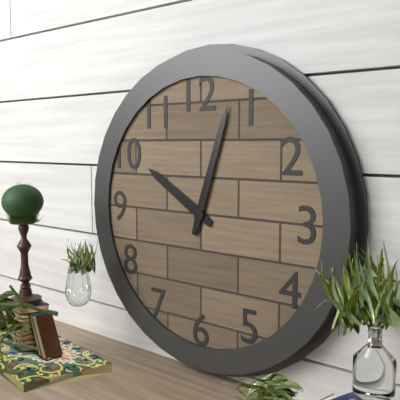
10 h 03 min
